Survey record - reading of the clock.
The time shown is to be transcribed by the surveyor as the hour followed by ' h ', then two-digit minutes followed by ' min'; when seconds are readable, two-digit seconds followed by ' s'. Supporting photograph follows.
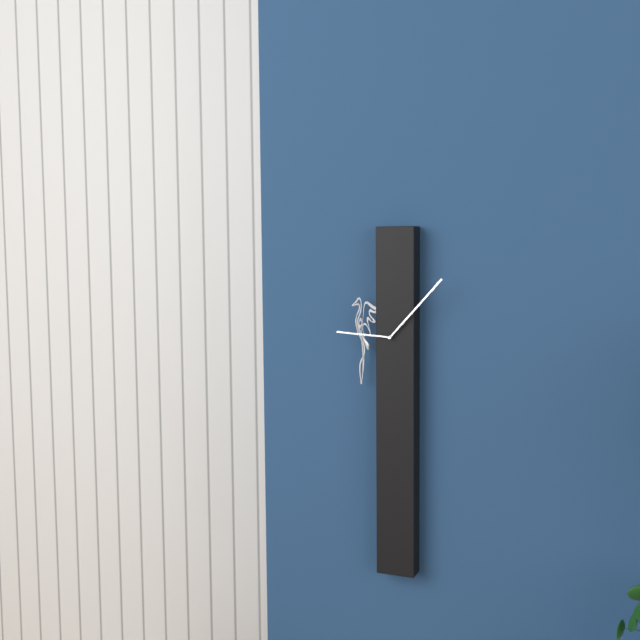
9 h 07 min
